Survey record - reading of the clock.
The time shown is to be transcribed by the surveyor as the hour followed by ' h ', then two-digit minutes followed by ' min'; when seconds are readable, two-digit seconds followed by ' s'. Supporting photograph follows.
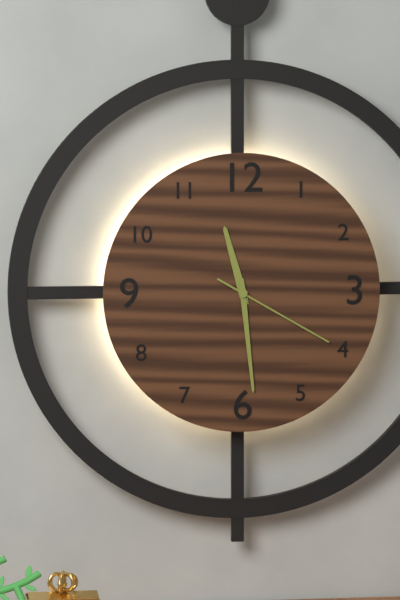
11 h 29 min 20 s
